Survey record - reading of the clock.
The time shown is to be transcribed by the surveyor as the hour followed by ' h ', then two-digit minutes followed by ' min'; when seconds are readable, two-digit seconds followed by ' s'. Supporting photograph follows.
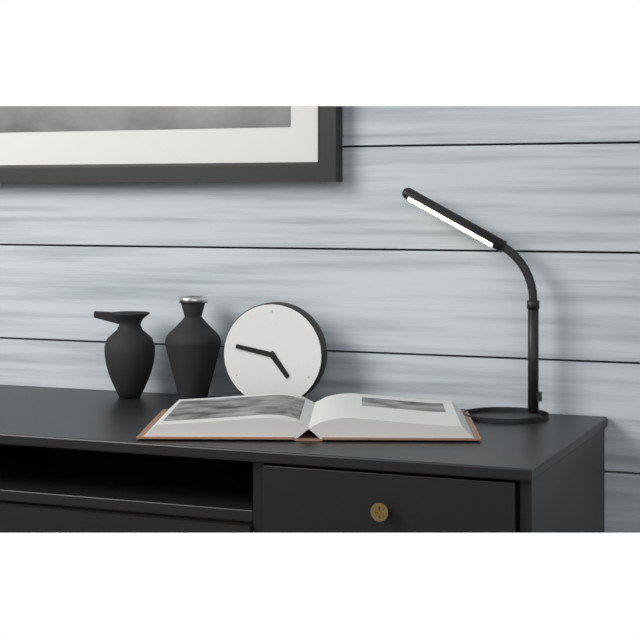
4 h 47 min
